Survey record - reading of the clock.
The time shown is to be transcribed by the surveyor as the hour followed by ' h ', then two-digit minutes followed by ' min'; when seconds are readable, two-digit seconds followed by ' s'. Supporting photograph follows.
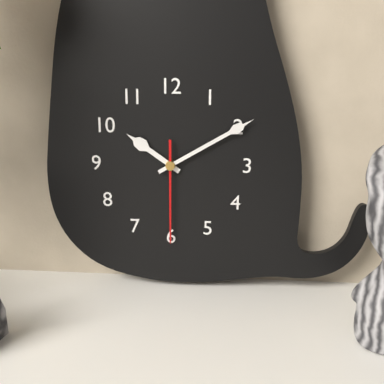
10 h 10 min 30 s
